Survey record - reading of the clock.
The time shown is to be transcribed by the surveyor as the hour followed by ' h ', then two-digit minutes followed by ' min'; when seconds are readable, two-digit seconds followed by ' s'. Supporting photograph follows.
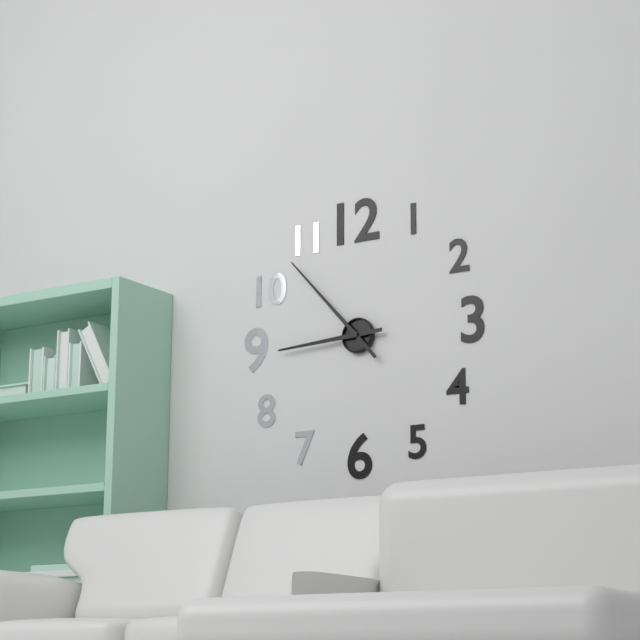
8 h 53 min
